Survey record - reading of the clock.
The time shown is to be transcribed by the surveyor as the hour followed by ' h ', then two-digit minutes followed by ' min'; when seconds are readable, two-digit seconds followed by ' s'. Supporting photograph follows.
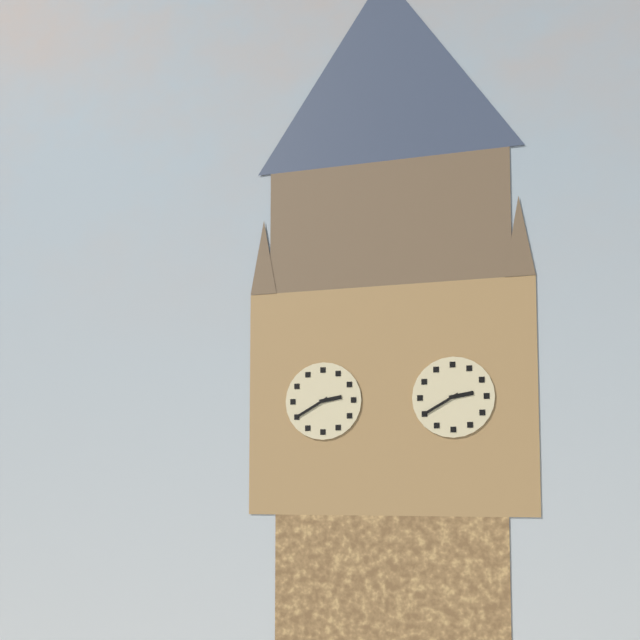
2 h 40 min
